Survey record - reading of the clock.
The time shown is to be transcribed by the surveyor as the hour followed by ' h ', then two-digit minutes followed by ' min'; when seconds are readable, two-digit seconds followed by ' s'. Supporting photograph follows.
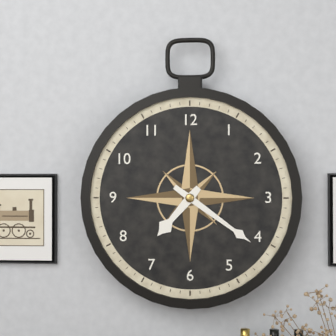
7 h 21 min
